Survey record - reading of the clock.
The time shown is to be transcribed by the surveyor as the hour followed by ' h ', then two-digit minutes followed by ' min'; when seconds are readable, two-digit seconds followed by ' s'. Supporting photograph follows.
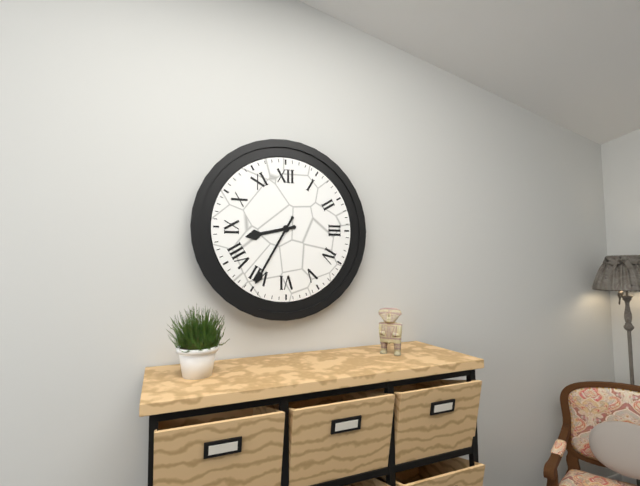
8 h 35 min
